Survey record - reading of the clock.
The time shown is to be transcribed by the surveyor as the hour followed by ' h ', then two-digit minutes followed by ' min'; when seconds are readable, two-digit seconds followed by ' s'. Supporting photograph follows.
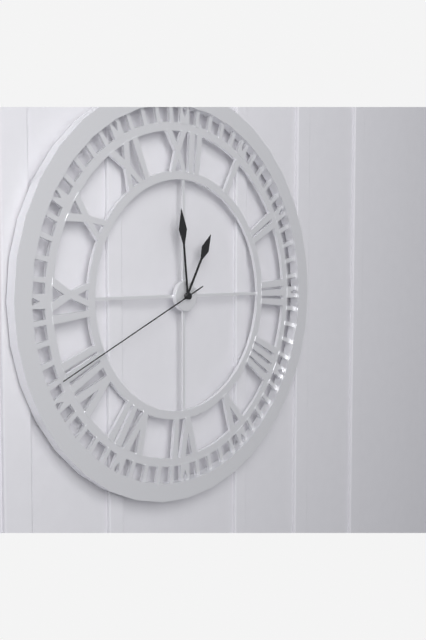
12 h 59 min 41 s
